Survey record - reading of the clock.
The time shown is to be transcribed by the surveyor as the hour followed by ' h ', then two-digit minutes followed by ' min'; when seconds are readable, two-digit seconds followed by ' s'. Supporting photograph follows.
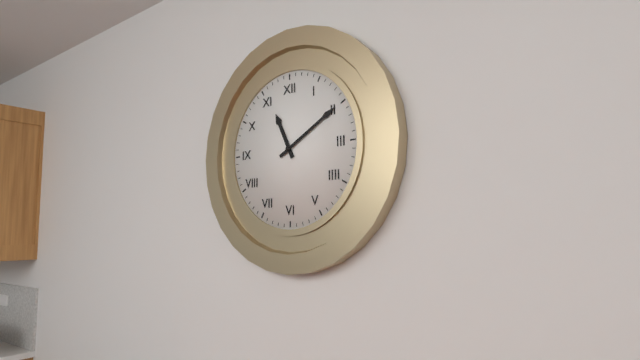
11 h 10 min
